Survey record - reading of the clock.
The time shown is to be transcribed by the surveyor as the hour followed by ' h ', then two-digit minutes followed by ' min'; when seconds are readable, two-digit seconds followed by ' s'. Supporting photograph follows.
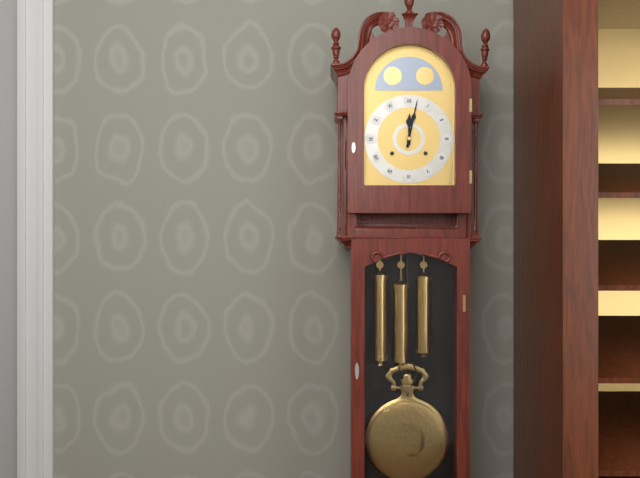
12 h 02 min
